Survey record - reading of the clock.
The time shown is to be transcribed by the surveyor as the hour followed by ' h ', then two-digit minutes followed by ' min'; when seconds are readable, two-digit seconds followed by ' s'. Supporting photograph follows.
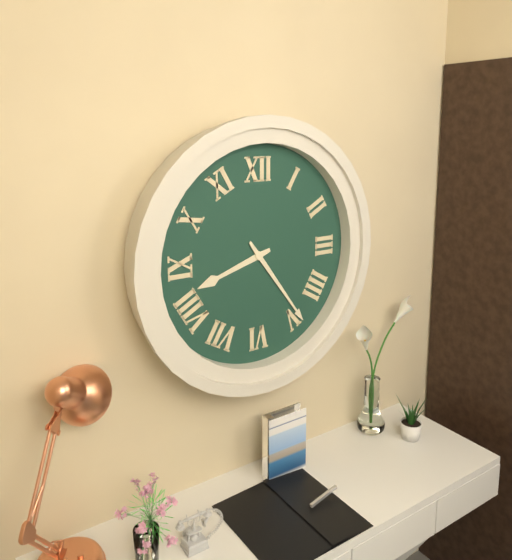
8 h 24 min
